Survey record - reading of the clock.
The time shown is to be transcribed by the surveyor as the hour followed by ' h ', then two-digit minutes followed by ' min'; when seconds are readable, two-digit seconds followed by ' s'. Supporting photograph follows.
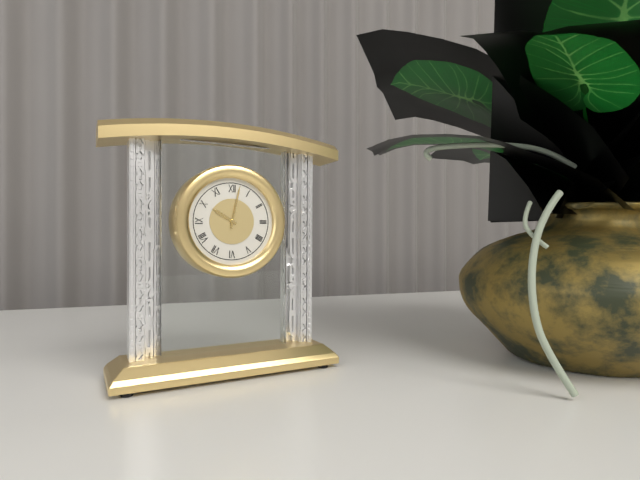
10 h 02 min
